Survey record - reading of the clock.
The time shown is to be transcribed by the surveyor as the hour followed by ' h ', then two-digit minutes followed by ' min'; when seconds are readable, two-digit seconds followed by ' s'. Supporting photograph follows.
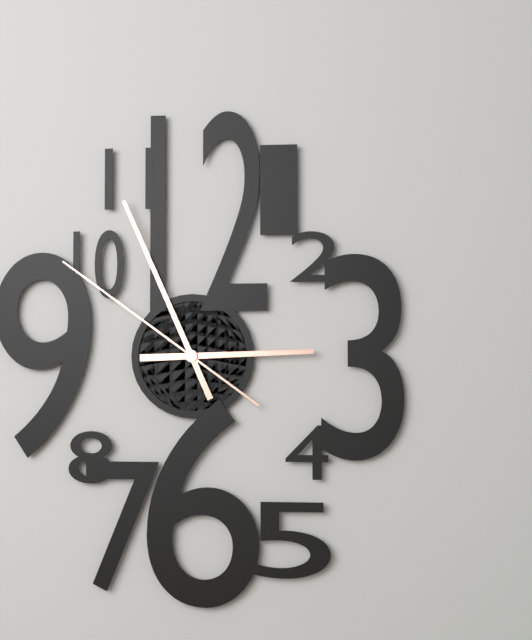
2 h 56 min 51 s
